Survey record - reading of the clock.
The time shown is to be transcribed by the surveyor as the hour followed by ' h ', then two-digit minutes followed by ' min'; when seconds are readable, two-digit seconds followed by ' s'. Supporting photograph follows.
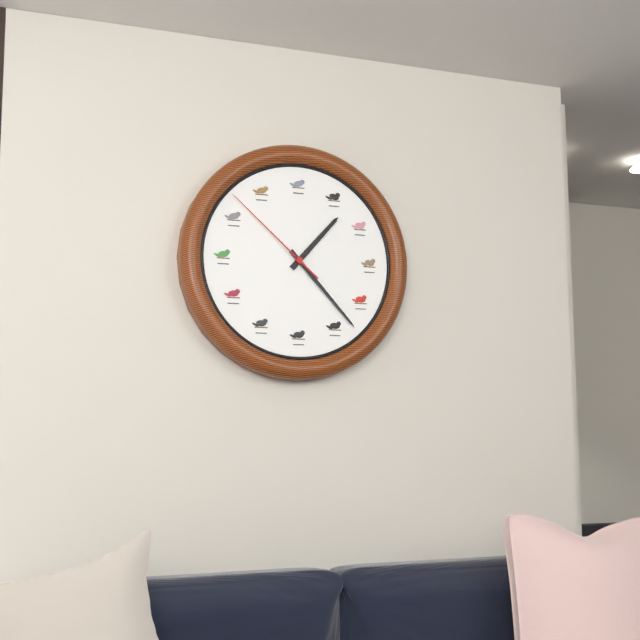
1 h 23 min 52 s
